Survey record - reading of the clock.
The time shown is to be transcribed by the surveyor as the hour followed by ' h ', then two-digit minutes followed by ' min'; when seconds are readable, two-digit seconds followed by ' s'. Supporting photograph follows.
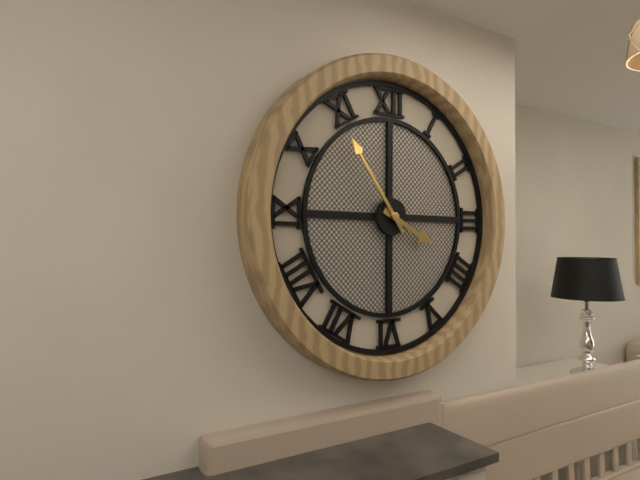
3 h 54 min
